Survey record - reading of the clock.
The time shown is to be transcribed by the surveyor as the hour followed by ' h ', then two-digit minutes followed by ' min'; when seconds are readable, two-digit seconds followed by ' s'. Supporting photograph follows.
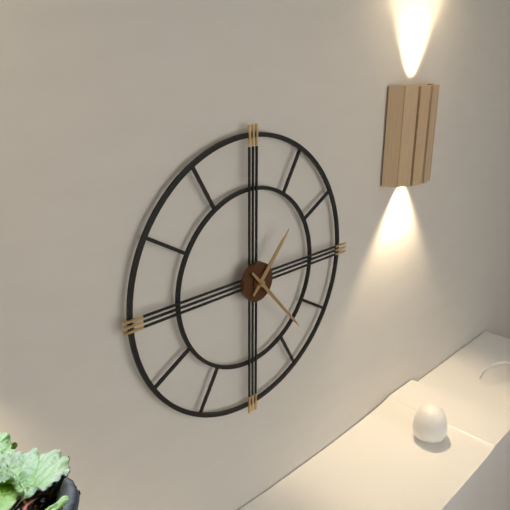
1 h 23 min
